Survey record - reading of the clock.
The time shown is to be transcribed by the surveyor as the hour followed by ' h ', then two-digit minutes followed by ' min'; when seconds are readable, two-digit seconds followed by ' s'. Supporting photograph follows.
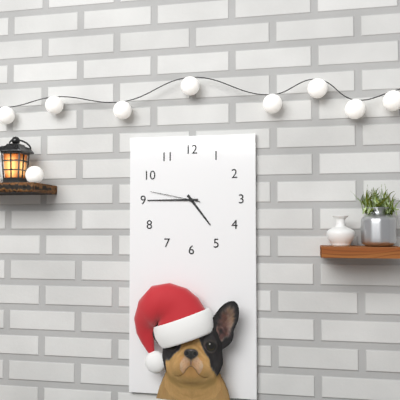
4 h 45 min 47 s
